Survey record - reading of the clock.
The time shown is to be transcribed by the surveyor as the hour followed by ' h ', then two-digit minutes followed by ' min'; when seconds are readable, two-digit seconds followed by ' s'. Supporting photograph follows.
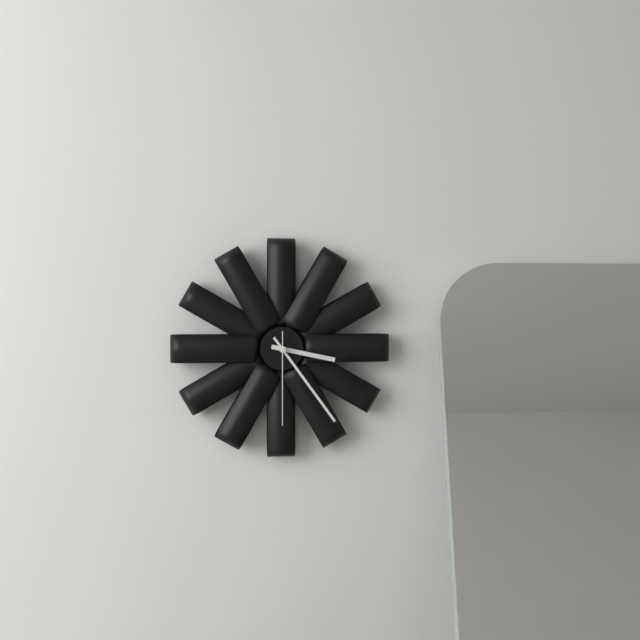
3 h 24 min 30 s
